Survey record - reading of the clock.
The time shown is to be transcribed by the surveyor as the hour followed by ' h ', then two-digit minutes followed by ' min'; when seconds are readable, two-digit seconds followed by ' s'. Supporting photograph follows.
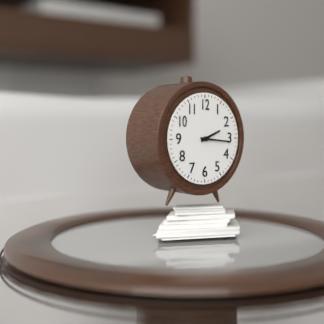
2 h 16 min
